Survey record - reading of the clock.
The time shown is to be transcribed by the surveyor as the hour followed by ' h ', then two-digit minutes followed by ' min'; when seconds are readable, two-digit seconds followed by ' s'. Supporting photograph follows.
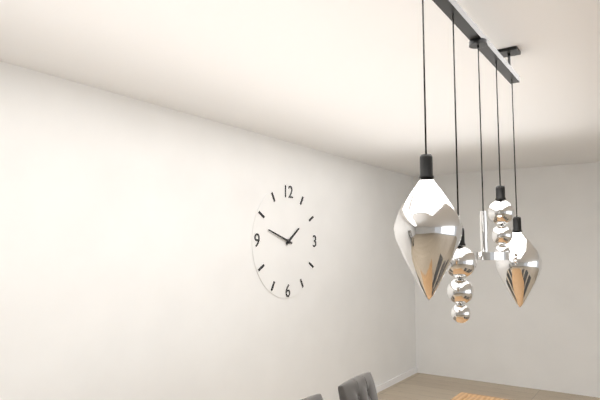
1 h 48 min
